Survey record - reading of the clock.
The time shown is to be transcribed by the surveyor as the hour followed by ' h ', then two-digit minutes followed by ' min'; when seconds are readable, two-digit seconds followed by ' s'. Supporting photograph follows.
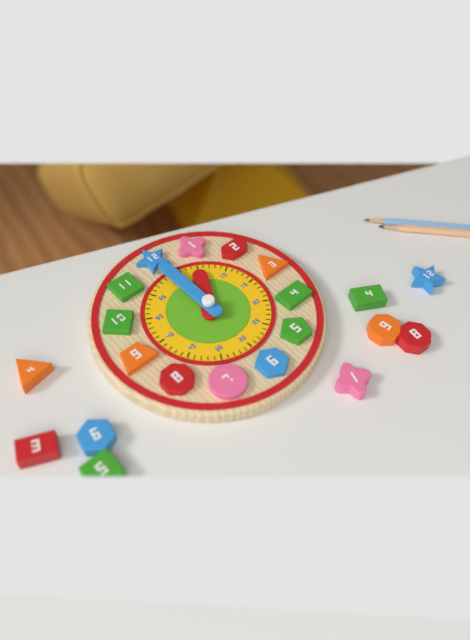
1 h 00 min
